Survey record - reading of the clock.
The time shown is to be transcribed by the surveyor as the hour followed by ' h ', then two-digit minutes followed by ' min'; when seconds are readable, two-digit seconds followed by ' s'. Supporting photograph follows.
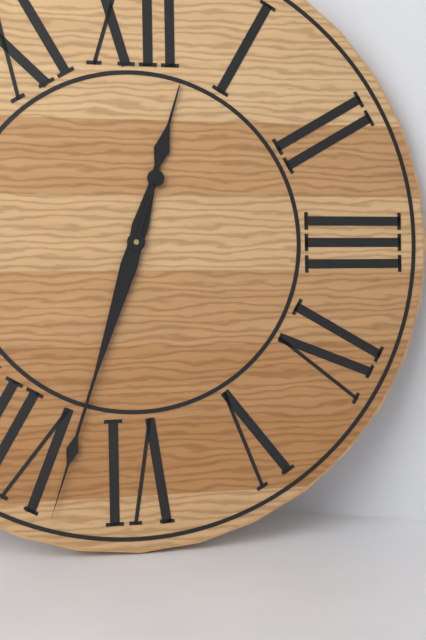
12 h 33 min
